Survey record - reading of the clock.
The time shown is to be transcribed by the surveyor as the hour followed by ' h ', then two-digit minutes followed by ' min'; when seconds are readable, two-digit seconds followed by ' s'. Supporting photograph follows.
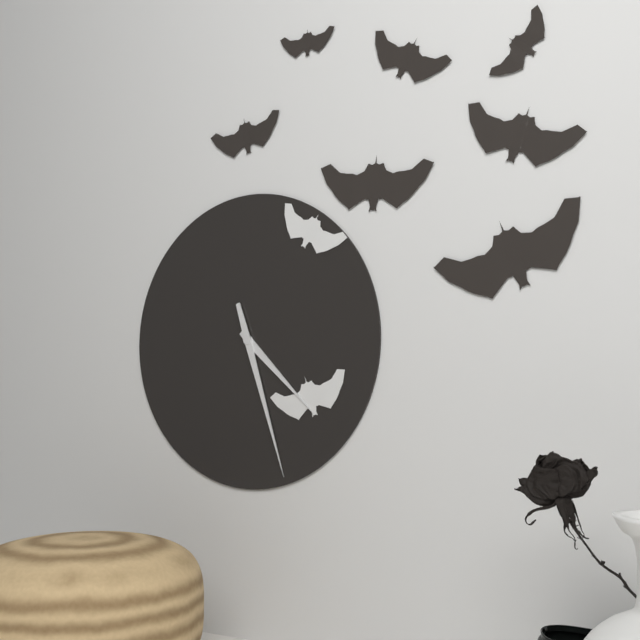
4 h 27 min
